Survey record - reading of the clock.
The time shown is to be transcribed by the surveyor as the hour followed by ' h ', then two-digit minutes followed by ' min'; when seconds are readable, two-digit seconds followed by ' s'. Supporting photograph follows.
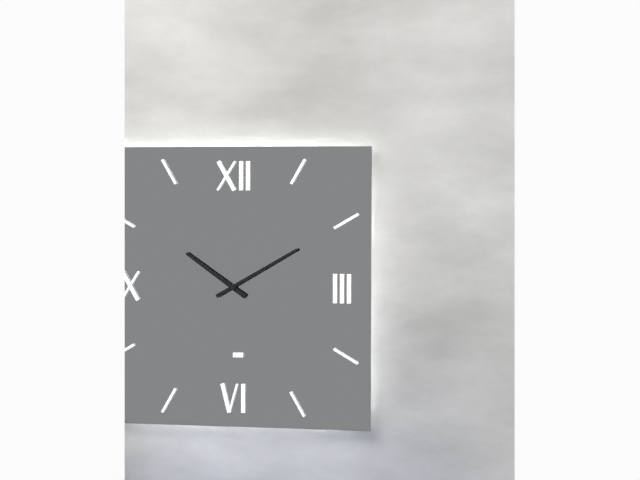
10 h 10 min
